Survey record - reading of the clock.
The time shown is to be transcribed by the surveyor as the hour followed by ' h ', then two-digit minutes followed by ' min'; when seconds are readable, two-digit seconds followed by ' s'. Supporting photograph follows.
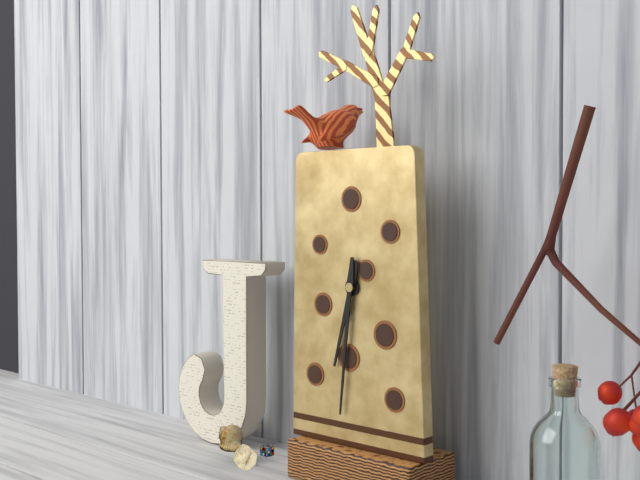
6 h 31 min
